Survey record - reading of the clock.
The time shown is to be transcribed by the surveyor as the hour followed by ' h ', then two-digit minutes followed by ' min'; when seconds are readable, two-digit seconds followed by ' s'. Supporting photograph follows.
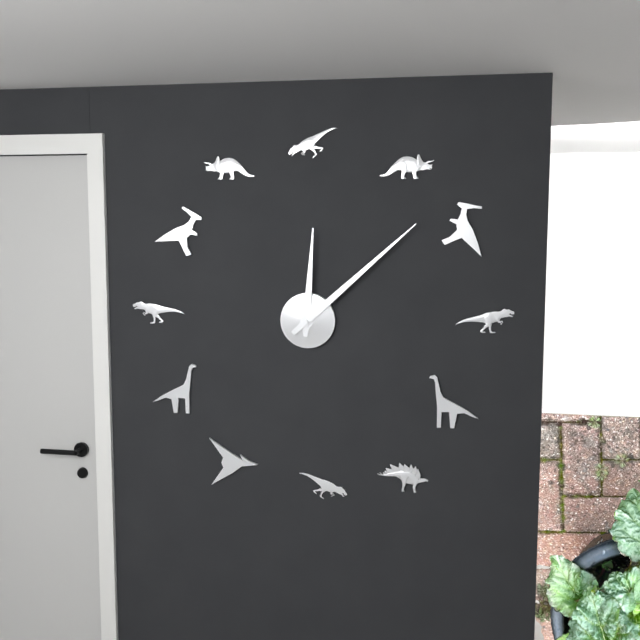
12 h 08 min
